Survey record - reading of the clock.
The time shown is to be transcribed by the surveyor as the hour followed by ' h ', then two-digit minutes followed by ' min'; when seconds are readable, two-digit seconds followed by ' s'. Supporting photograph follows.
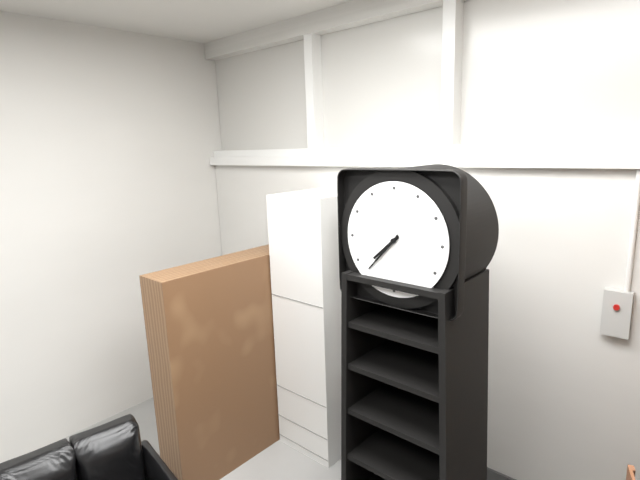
7 h 37 min
